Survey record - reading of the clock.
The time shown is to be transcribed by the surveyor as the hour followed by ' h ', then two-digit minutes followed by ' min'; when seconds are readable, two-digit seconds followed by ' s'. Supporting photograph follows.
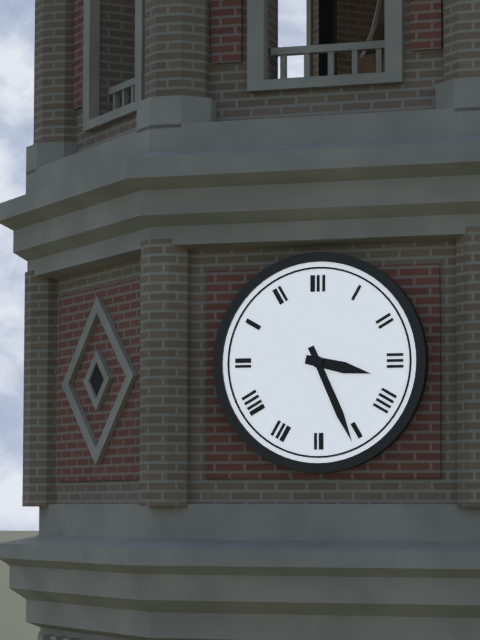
3 h 26 min
